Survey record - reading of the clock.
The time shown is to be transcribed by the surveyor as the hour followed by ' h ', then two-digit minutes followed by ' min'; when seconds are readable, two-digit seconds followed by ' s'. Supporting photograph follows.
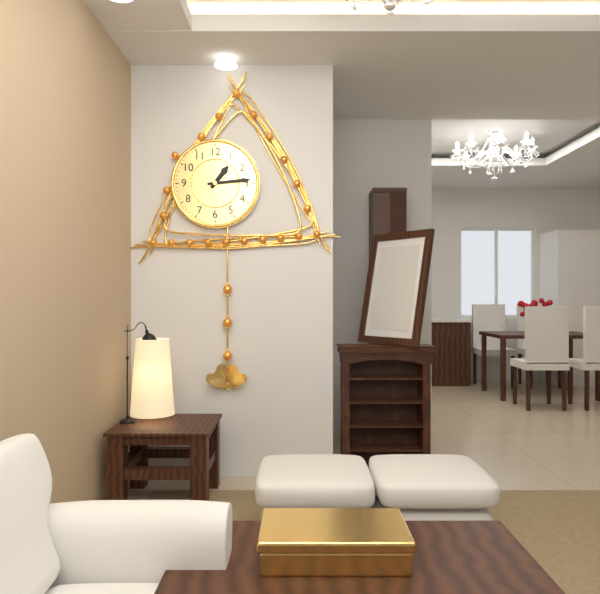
1 h 14 min
